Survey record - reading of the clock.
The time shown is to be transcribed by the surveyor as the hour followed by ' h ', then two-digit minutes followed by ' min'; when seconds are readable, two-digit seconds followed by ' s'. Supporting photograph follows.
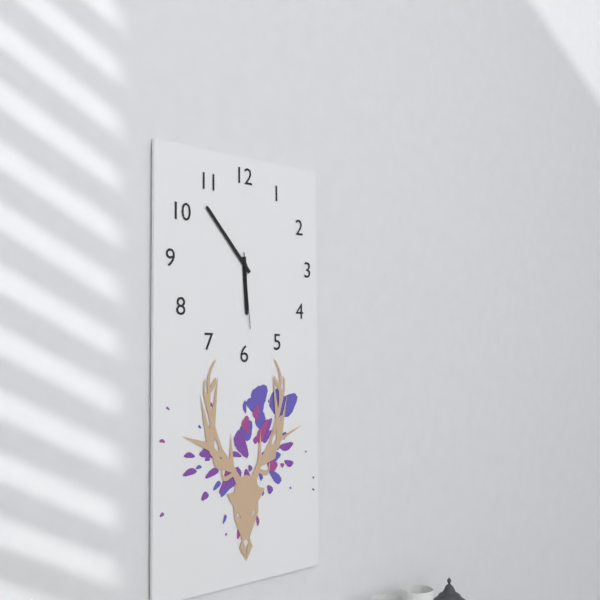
5 h 53 min 29 s
